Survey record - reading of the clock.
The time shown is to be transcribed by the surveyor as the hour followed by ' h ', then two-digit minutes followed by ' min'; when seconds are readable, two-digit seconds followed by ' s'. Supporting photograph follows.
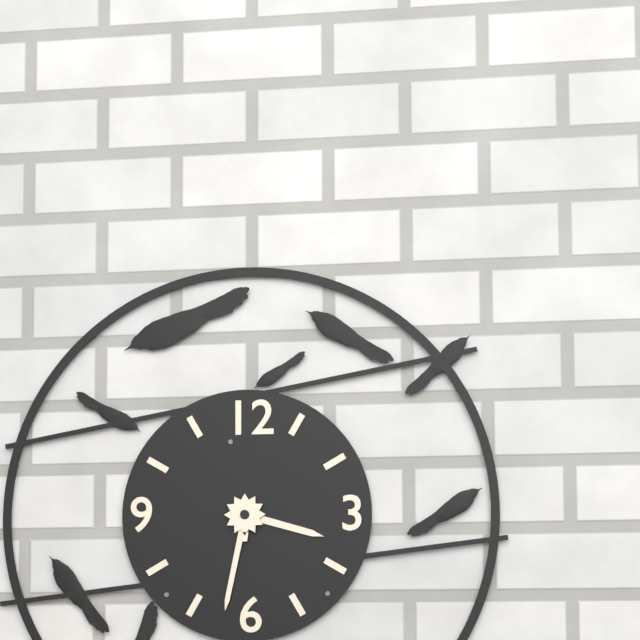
3 h 32 min
